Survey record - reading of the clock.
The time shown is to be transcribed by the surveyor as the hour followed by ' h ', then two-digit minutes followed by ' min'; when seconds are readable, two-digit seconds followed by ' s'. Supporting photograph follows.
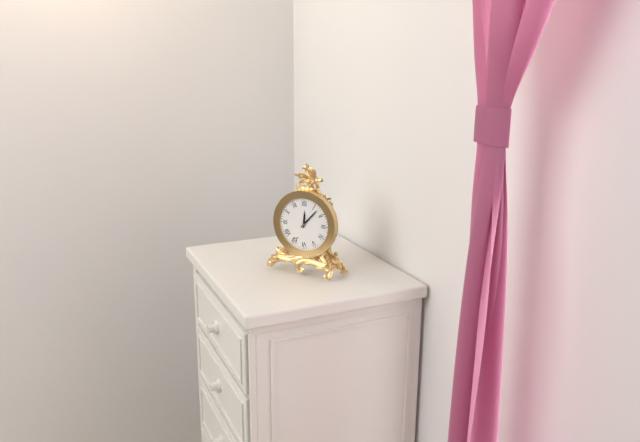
12 h 07 min
